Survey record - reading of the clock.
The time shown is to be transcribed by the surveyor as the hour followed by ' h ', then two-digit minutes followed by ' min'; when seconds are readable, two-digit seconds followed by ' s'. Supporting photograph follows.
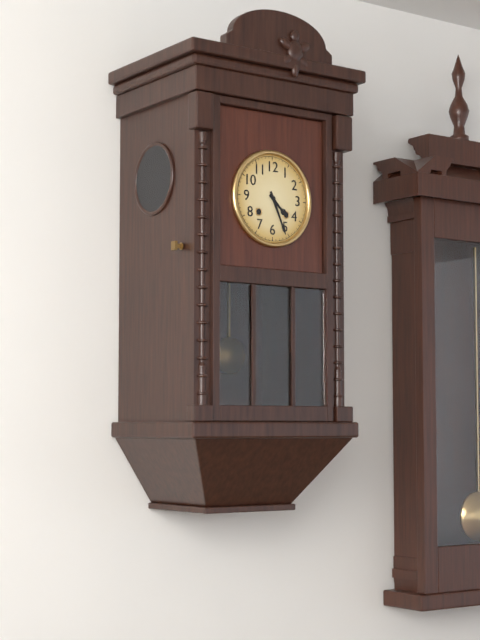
4 h 26 min
